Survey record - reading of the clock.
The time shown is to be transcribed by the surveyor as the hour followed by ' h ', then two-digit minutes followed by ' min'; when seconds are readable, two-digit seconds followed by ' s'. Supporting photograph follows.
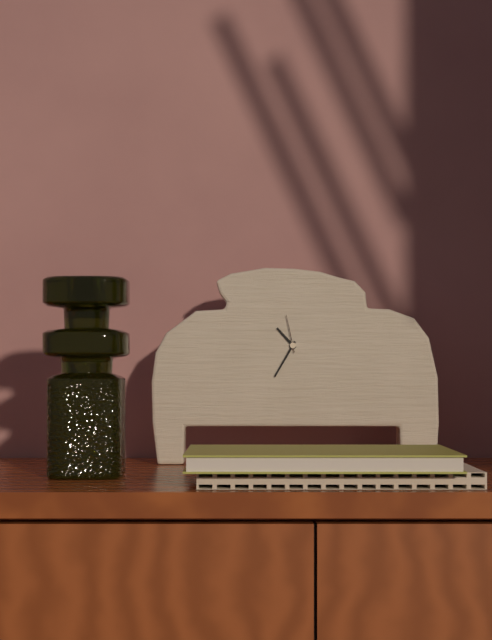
10 h 35 min
